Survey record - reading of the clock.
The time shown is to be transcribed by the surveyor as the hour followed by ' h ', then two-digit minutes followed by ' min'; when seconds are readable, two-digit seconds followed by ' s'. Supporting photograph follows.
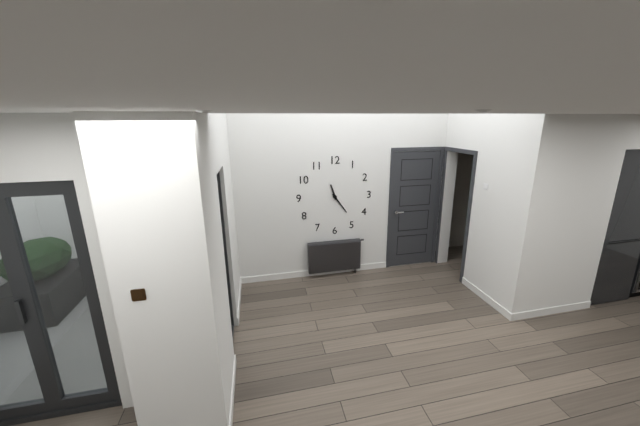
11 h 24 min
